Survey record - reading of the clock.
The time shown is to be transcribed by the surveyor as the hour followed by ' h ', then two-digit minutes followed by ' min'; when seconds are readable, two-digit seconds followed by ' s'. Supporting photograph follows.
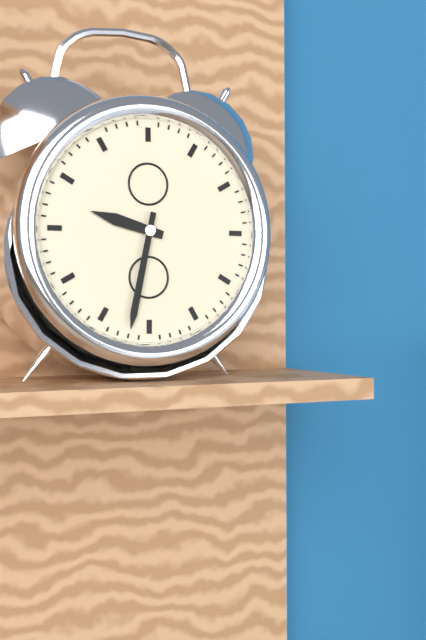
9 h 32 min
